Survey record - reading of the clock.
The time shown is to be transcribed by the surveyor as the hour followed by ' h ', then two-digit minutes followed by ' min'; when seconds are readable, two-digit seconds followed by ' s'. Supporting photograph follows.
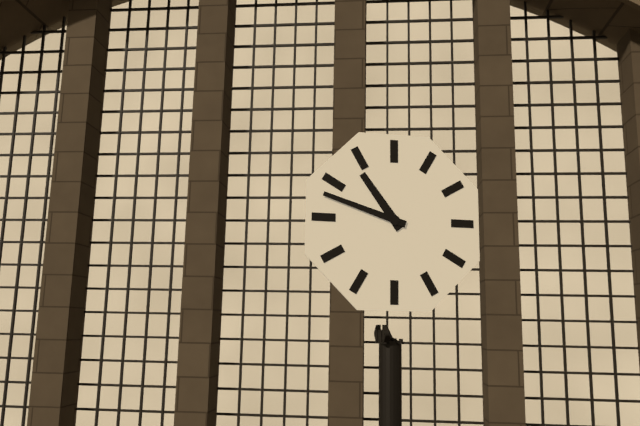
10 h 48 min
